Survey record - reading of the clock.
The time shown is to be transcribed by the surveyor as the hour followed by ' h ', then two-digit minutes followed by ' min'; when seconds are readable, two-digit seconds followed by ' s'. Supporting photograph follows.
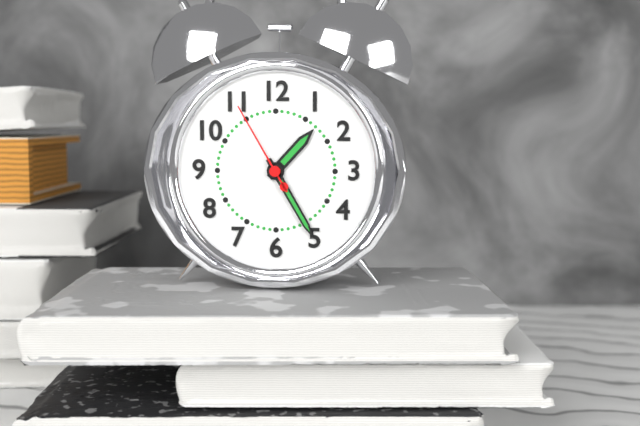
1 h 25 min 55 s
